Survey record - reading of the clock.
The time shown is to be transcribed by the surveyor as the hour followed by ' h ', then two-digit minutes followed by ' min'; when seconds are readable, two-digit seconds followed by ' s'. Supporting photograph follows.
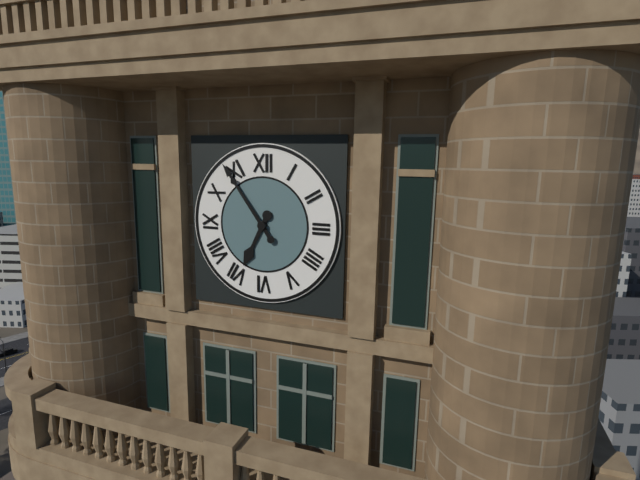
6 h 54 min
